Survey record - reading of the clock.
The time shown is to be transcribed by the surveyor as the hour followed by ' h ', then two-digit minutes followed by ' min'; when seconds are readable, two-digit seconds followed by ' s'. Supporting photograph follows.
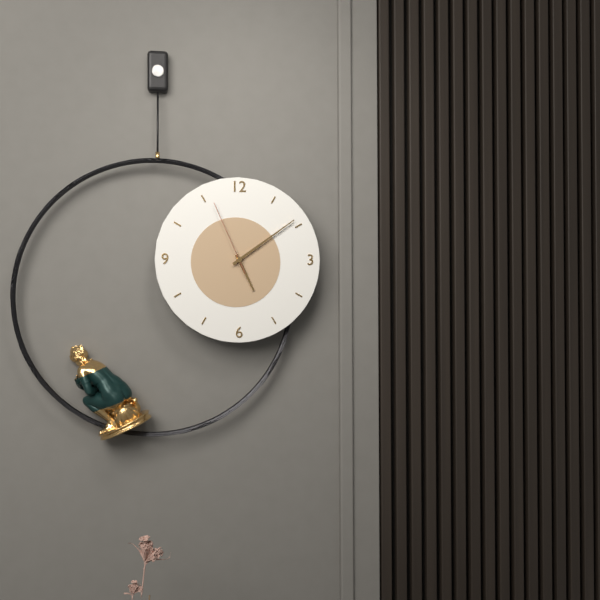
5 h 09 min 56 s
